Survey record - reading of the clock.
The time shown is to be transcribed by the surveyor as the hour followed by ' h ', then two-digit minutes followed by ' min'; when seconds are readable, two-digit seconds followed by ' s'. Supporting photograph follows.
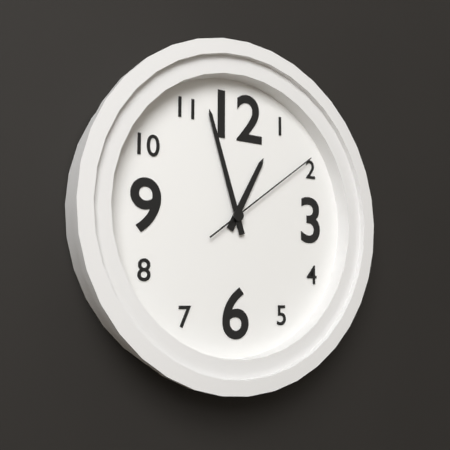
12 h 57 min 09 s
